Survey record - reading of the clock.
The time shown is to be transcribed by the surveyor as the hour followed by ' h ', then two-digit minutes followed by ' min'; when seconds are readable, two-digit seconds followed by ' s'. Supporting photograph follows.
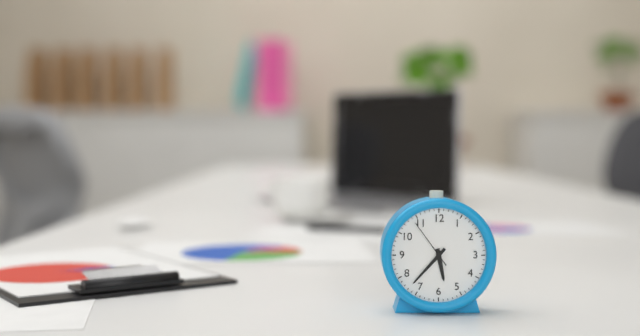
5 h 37 min 54 s
